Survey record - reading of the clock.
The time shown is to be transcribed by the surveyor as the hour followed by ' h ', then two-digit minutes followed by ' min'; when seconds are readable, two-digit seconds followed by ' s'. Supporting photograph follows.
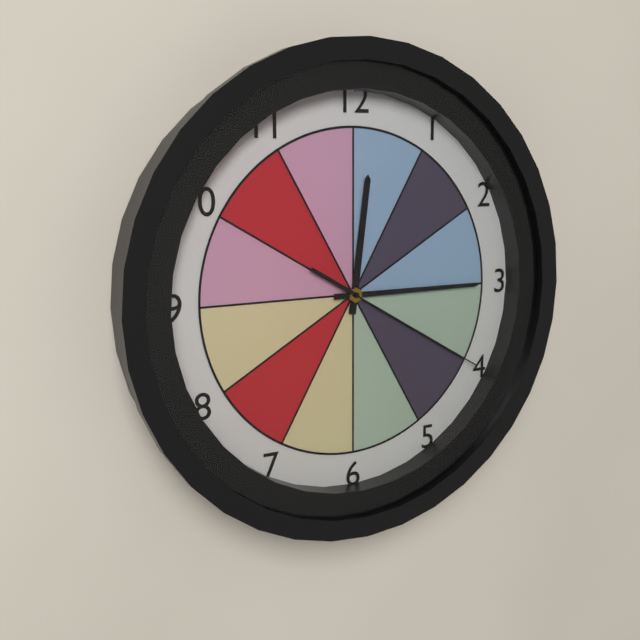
12 h 15 min 20 s
